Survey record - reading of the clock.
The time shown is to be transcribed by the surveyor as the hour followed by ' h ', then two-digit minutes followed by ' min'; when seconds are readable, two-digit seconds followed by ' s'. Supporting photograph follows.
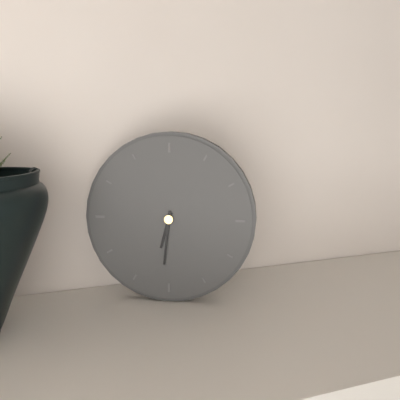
6 h 31 min
